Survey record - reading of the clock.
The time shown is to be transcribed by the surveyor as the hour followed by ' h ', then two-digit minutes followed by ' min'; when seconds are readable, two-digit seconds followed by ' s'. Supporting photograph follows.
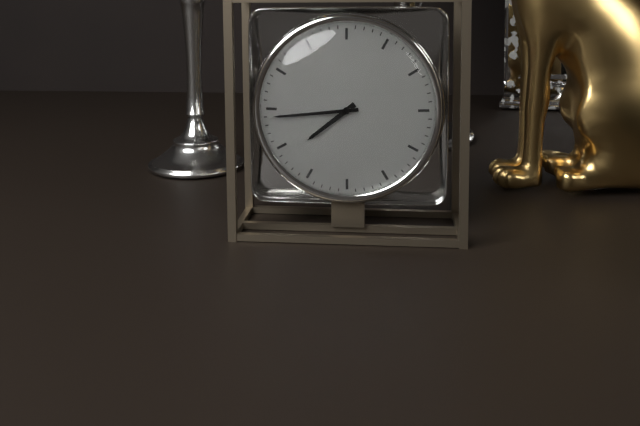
7 h 44 min
